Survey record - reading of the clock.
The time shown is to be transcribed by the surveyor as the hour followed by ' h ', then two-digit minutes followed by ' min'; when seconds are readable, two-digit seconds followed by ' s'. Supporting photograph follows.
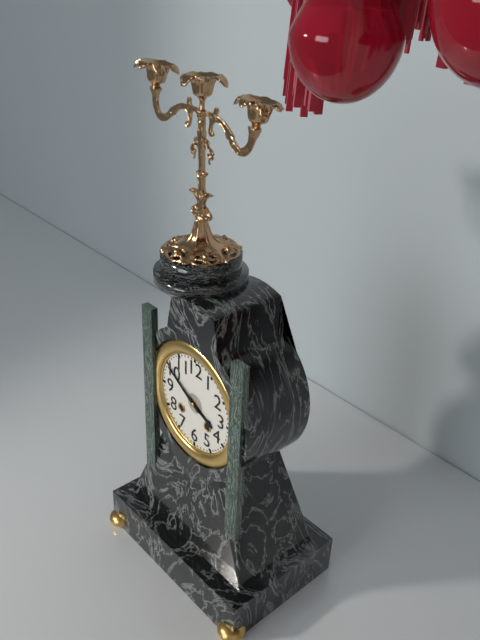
3 h 50 min
